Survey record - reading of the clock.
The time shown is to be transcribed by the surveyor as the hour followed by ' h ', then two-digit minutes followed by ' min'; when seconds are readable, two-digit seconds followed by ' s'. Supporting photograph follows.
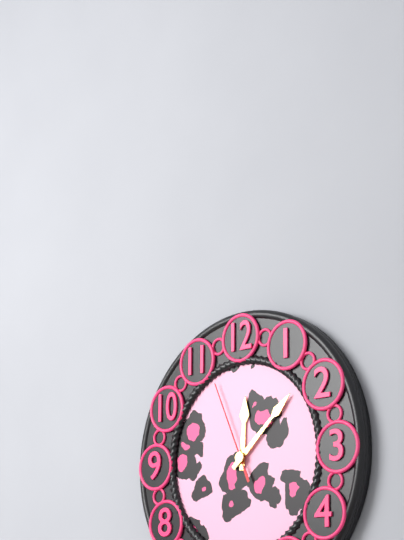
12 h 08 min 56 s
